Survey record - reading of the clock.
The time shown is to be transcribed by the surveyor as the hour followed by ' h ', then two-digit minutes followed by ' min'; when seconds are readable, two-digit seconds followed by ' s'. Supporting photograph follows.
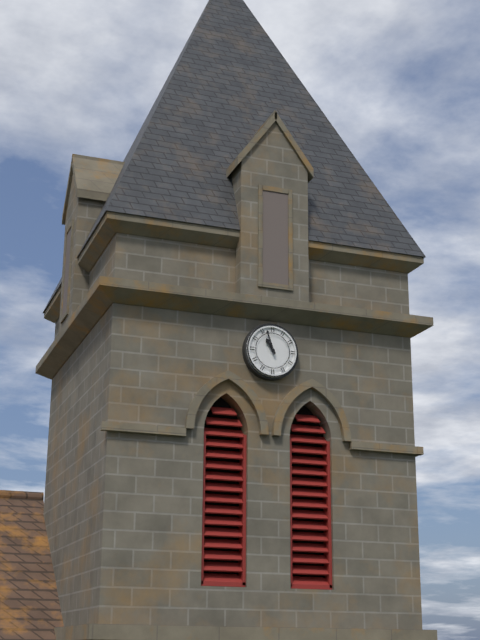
10 h 57 min
